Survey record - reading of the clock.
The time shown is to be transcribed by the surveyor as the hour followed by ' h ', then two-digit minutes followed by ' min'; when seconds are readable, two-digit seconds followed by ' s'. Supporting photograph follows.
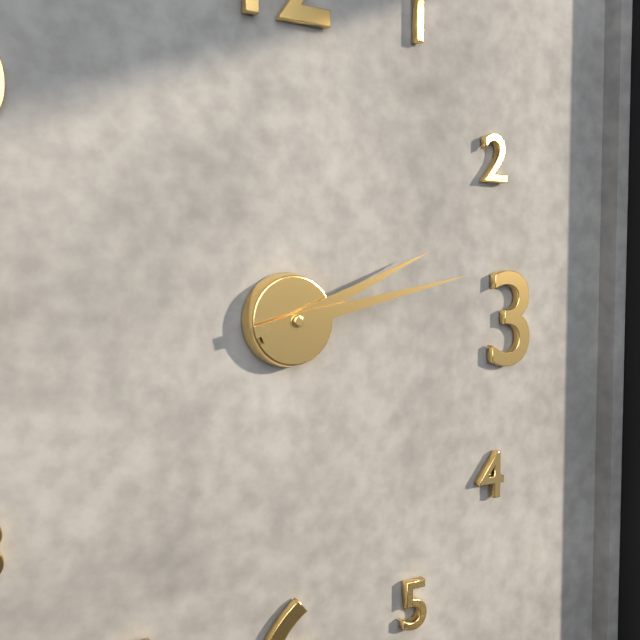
2 h 13 min
